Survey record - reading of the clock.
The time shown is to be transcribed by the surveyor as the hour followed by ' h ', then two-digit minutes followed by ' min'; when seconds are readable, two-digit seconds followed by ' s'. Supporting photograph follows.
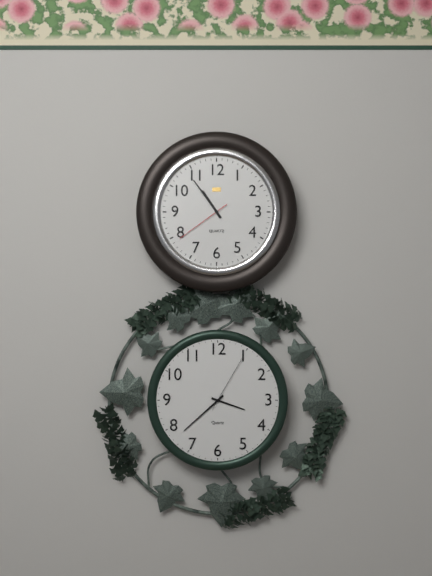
10 h 54 min 39 s
